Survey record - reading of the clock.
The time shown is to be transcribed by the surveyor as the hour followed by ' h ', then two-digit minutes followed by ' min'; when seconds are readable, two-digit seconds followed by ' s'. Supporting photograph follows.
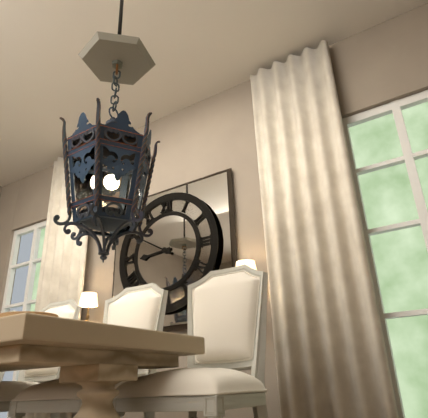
8 h 50 min
